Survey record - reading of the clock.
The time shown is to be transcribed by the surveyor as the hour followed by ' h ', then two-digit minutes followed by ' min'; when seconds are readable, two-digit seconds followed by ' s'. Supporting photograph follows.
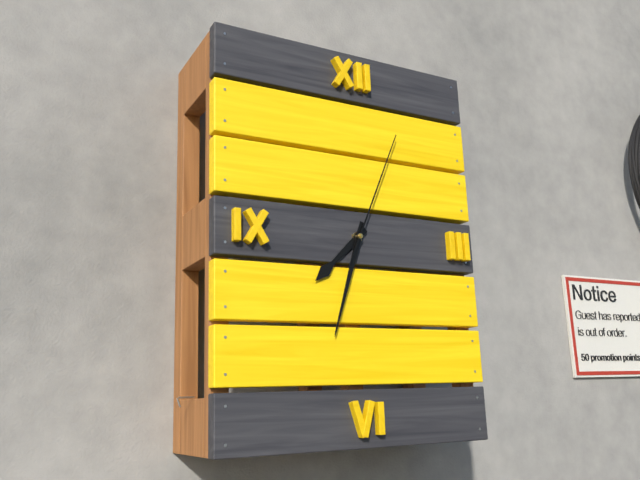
7 h 33 min 04 s
